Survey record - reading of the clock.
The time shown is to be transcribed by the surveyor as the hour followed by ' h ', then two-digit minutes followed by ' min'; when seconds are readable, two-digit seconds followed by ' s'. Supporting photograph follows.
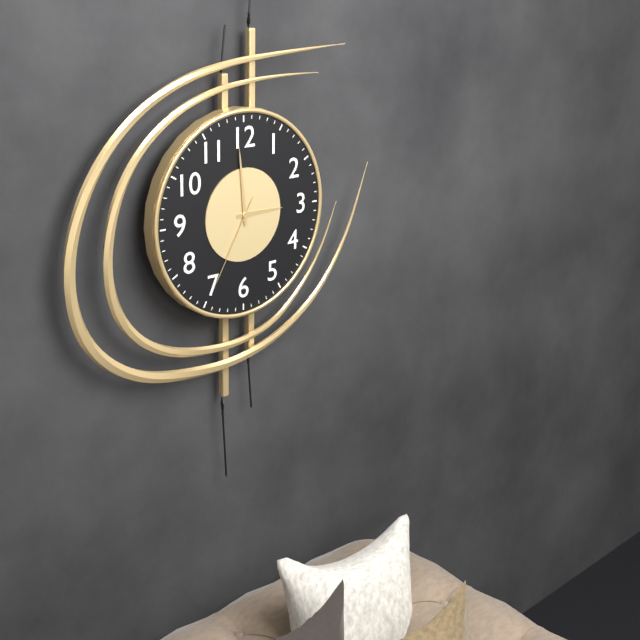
2 h 59 min 35 s
